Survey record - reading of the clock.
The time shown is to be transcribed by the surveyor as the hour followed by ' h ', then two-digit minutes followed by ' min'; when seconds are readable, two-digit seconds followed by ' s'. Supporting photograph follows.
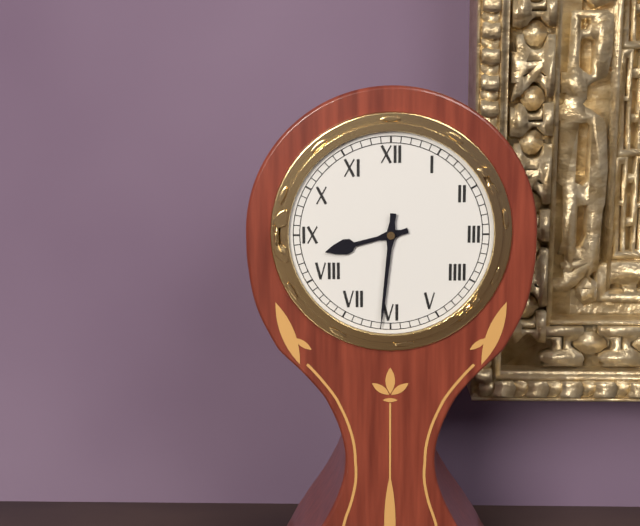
8 h 31 min
